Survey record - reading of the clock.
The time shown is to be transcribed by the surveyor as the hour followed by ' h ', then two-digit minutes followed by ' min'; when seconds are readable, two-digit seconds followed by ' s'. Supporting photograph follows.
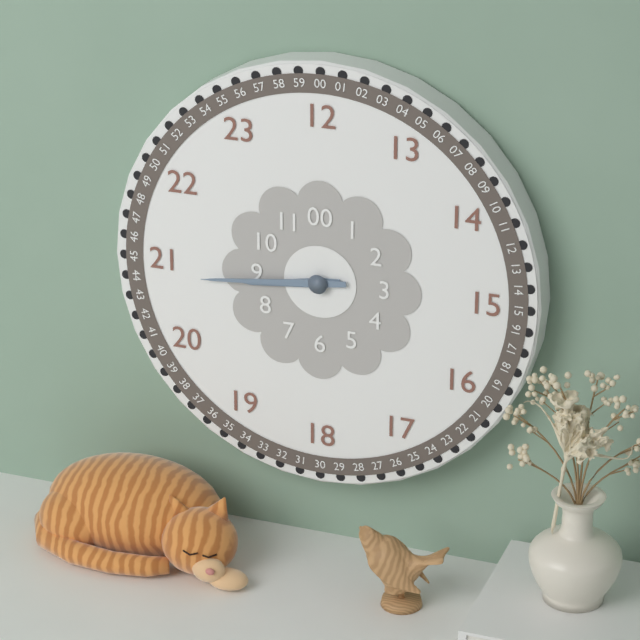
8 h 44 min
